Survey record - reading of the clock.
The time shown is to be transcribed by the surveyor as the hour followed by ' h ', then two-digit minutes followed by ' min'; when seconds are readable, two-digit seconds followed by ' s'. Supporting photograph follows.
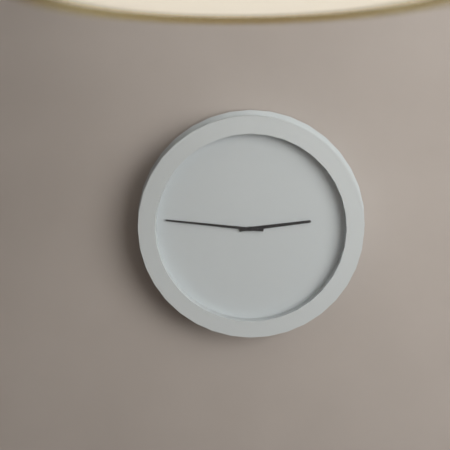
2 h 46 min
